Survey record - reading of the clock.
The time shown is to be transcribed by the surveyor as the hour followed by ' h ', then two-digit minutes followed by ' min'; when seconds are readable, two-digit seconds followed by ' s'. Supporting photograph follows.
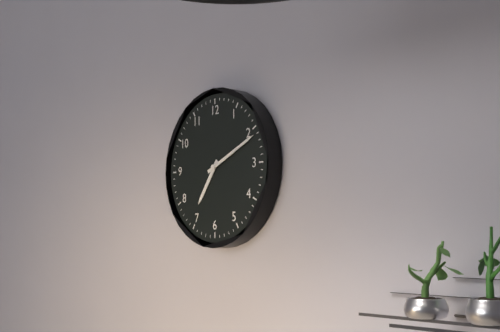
7 h 11 min
